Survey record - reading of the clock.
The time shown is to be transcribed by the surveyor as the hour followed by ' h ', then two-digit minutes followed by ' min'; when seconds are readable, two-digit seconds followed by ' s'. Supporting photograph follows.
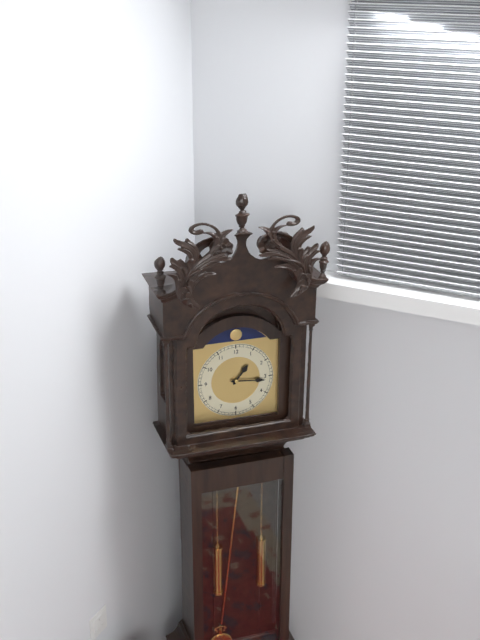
1 h 16 min
